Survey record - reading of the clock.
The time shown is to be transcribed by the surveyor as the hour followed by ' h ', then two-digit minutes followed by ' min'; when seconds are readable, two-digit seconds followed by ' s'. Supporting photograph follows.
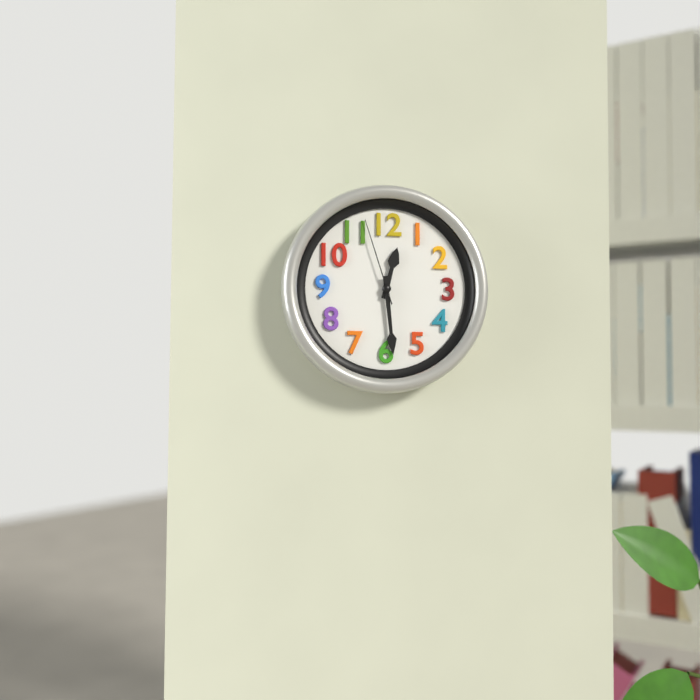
12 h 29 min 57 s
